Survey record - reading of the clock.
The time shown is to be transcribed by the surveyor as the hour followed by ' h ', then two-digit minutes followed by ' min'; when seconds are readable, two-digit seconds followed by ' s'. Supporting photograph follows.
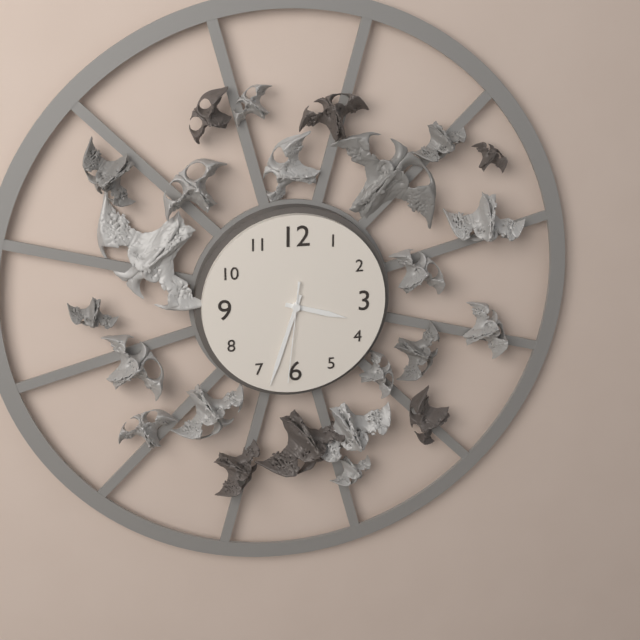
3 h 33 min 31 s
